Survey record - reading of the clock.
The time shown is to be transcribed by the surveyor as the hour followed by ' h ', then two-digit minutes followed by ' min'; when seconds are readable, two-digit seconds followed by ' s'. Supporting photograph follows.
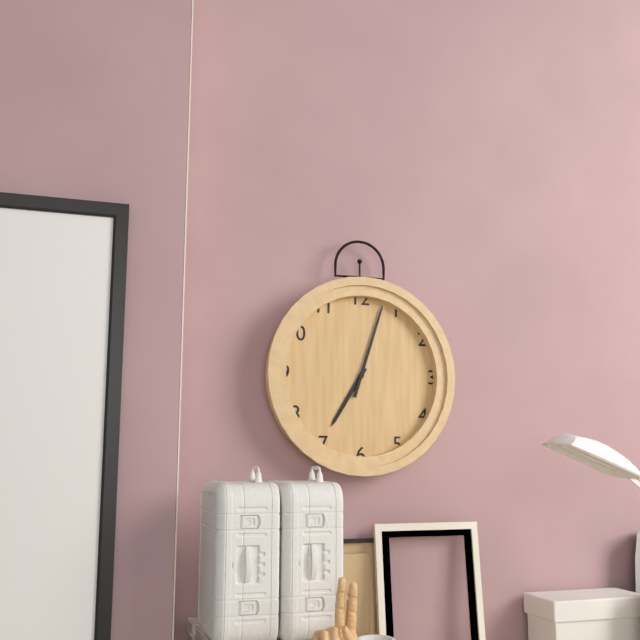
7 h 03 min
